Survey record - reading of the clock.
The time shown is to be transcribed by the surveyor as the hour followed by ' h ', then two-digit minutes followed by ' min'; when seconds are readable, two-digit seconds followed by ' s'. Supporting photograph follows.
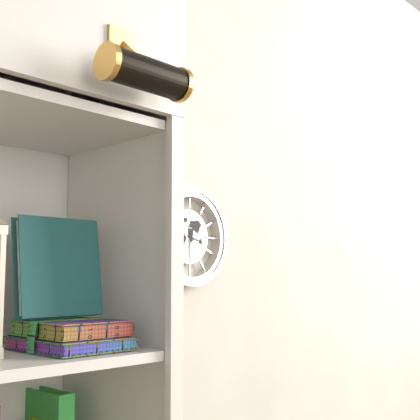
3 h 30 min
